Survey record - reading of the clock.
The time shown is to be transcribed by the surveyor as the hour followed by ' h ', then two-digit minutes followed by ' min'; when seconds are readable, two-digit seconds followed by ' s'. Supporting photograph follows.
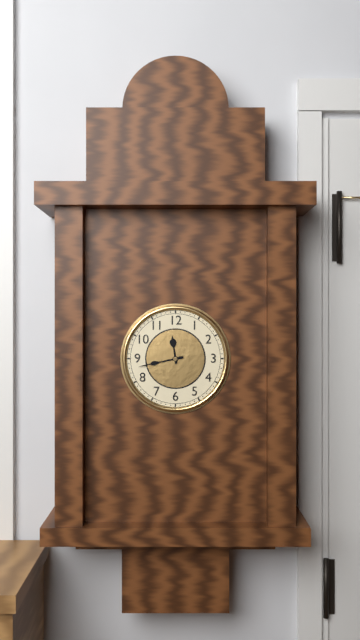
11 h 43 min
